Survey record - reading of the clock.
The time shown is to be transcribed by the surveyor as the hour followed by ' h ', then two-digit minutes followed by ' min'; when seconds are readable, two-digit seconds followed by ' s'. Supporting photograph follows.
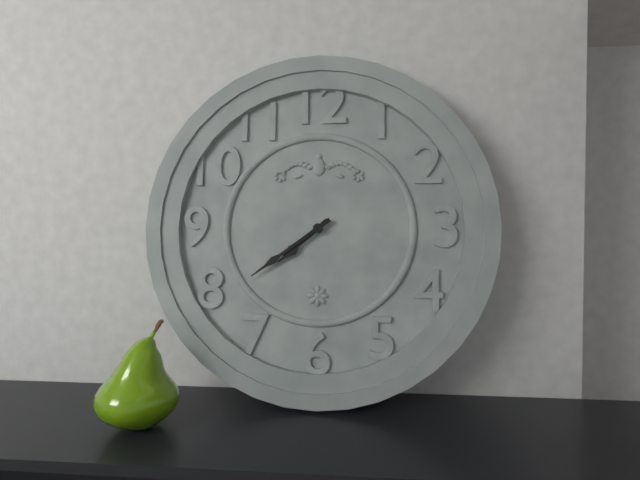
7 h 39 min
